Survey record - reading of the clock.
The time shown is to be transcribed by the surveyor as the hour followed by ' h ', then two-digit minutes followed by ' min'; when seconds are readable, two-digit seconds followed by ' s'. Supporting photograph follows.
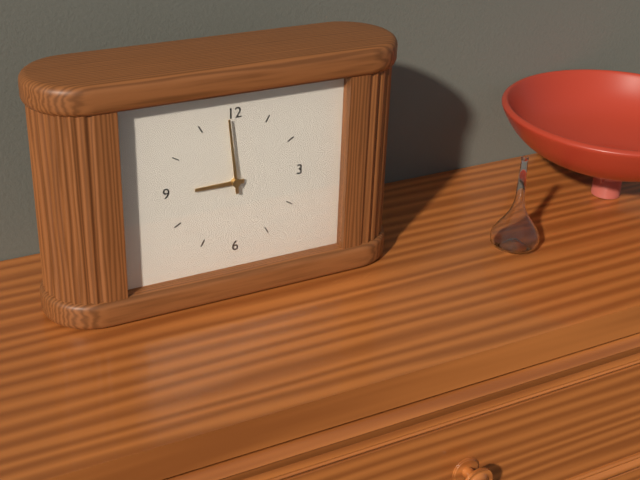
8 h 59 min
